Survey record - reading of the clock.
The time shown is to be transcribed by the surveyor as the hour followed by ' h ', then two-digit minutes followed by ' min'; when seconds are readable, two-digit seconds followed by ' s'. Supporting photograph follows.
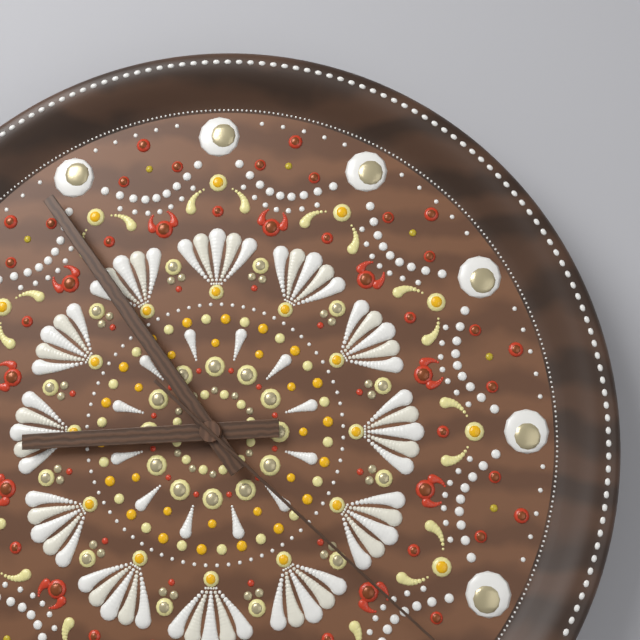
8 h 54 min
